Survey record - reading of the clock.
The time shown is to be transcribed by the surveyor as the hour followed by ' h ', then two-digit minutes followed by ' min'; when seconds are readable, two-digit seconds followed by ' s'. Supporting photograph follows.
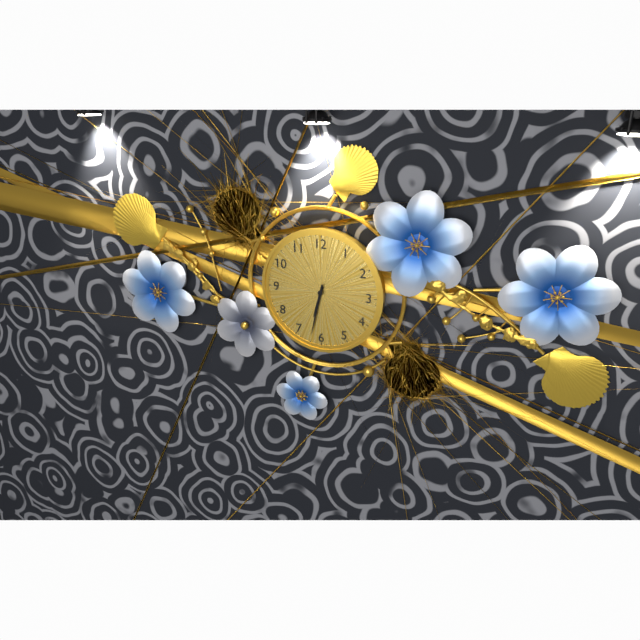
6 h 32 min
